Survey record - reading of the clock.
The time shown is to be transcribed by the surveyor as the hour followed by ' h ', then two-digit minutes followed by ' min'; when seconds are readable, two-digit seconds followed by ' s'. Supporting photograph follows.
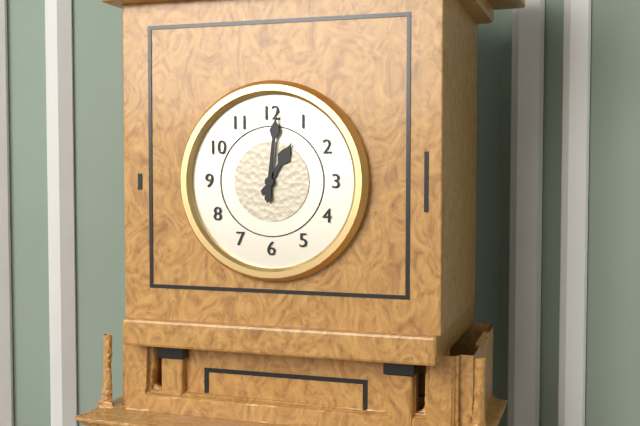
1 h 01 min
